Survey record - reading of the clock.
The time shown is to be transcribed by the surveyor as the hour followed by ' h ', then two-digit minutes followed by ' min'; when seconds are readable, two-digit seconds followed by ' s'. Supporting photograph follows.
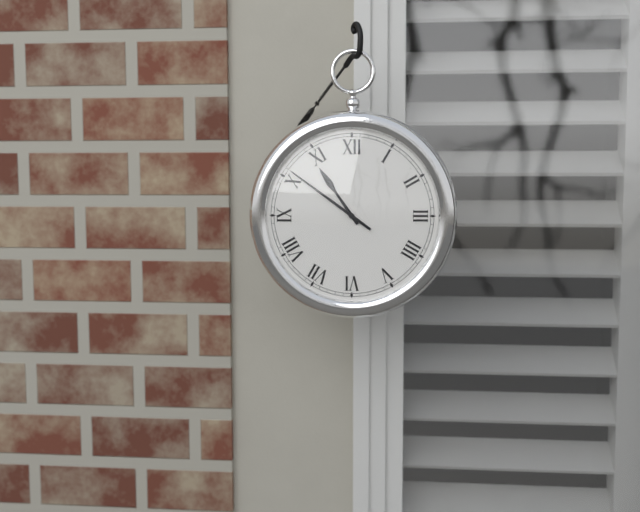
10 h 51 min
